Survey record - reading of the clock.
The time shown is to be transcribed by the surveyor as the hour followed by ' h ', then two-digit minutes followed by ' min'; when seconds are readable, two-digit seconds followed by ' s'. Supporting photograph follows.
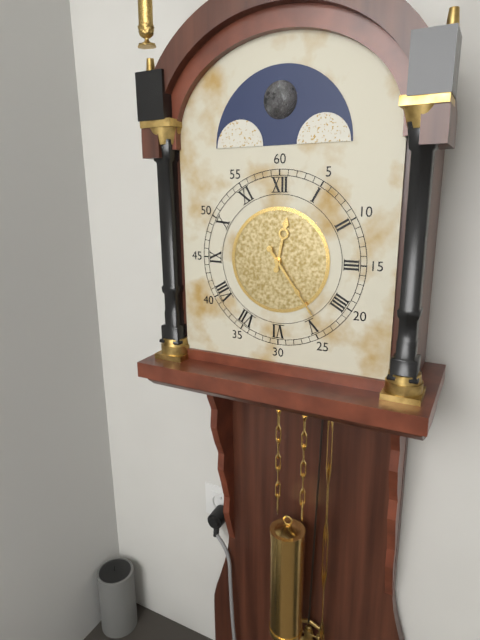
12 h 24 min
